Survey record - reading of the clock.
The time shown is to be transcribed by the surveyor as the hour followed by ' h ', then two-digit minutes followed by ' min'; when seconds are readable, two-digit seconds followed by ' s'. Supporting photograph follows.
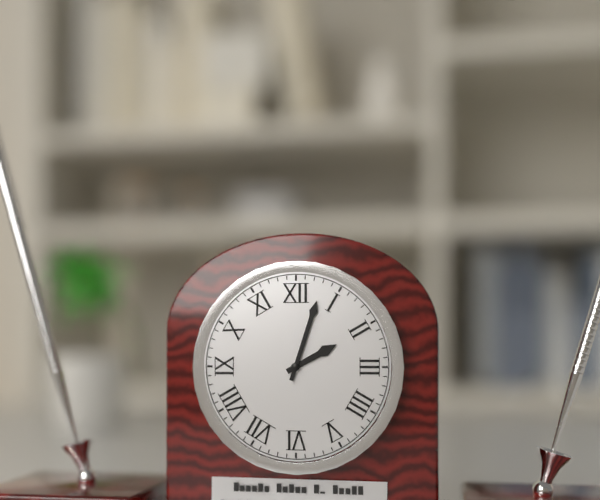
2 h 03 min
